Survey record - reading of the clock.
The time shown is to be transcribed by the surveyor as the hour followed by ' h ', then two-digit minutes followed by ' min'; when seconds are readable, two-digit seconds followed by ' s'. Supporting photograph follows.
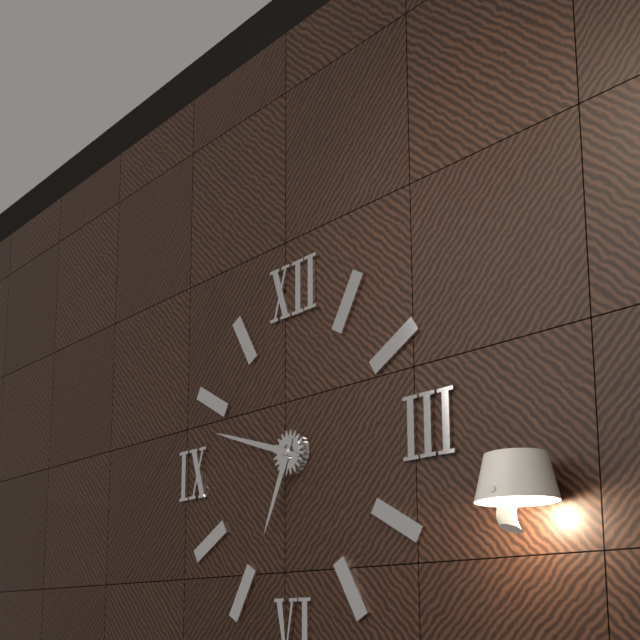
6 h 48 min
